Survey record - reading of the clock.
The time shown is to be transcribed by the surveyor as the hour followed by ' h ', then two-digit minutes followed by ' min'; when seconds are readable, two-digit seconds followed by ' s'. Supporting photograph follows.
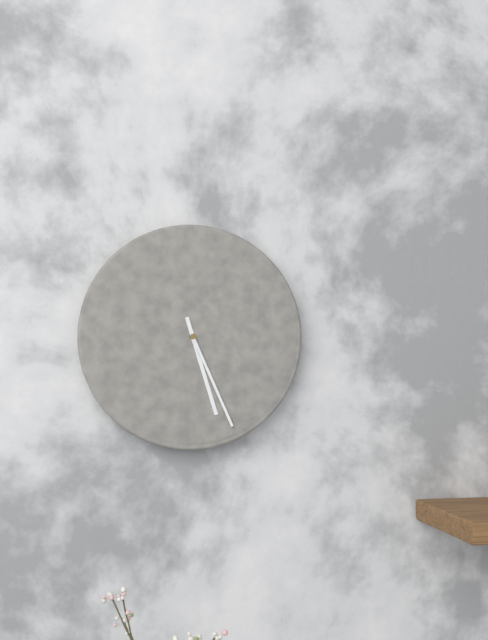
5 h 26 min
